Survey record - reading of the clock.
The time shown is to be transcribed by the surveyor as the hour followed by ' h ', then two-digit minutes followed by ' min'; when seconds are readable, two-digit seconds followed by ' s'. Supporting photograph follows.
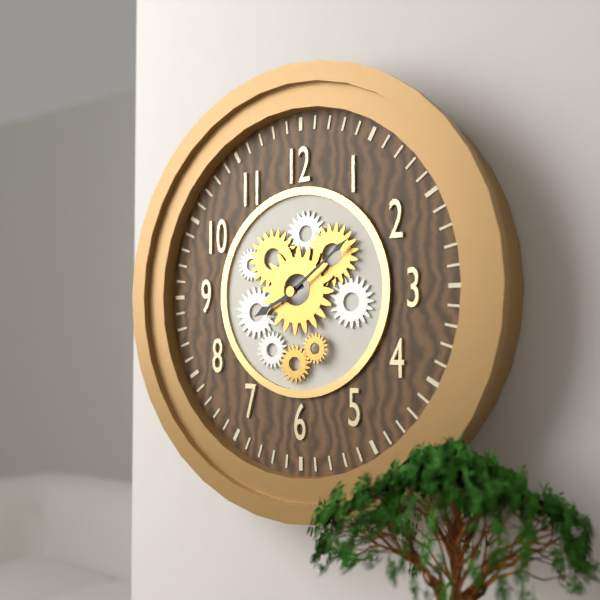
8 h 09 min
